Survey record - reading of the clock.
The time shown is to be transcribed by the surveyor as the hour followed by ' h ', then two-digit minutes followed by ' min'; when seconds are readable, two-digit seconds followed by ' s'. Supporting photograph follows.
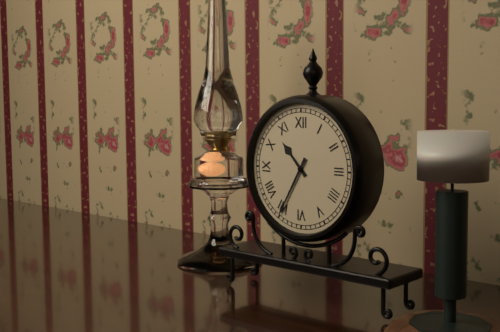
10 h 35 min
